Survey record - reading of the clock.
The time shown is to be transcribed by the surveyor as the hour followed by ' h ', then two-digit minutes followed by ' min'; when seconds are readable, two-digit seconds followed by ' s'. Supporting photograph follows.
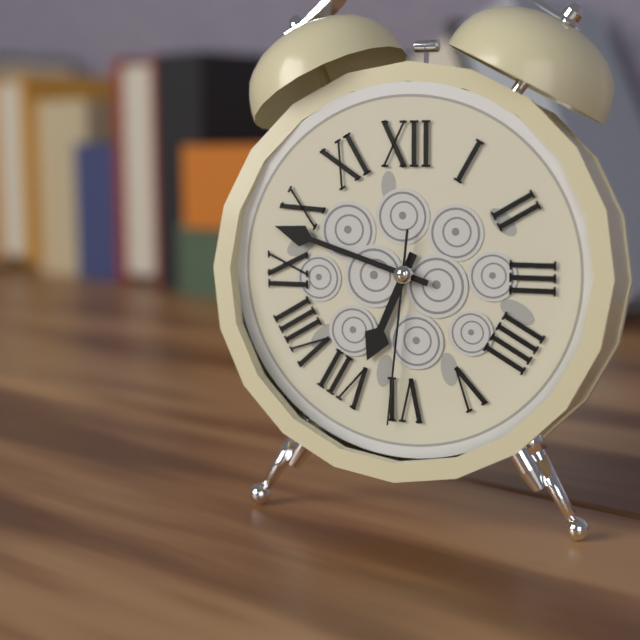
6 h 48 min 31 s
